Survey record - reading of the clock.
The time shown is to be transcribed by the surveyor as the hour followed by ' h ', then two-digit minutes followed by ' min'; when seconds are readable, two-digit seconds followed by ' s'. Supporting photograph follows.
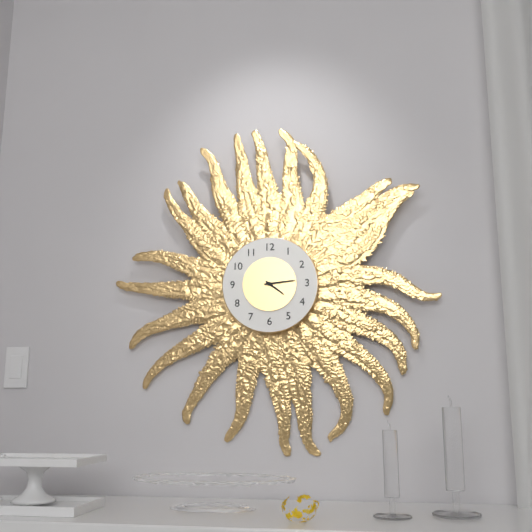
4 h 14 min
